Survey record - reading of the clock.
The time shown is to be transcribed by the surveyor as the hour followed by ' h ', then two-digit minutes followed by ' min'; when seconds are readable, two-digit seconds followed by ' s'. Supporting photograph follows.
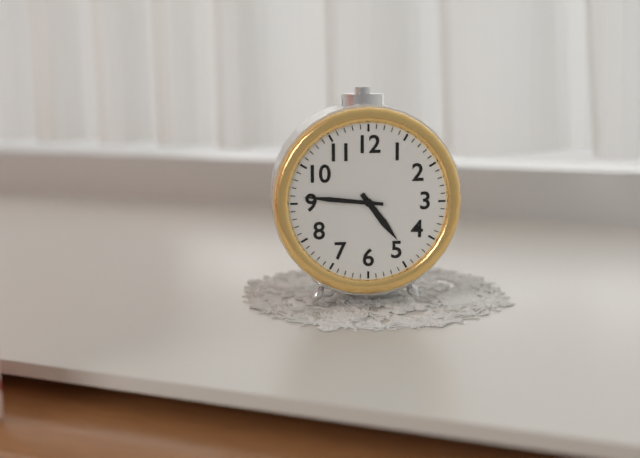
4 h 46 min
